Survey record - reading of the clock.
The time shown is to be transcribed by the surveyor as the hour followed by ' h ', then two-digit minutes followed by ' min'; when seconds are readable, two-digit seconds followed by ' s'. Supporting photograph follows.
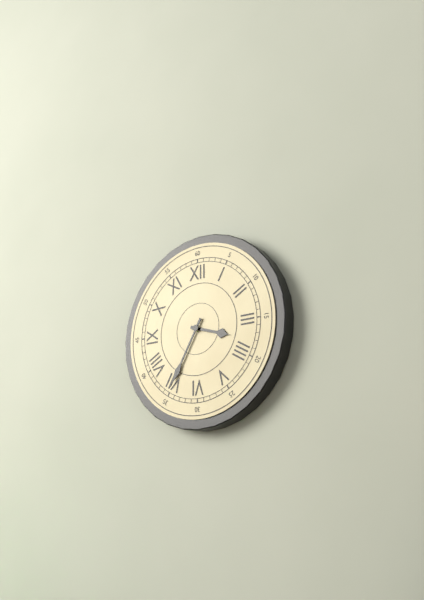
3 h 35 min
